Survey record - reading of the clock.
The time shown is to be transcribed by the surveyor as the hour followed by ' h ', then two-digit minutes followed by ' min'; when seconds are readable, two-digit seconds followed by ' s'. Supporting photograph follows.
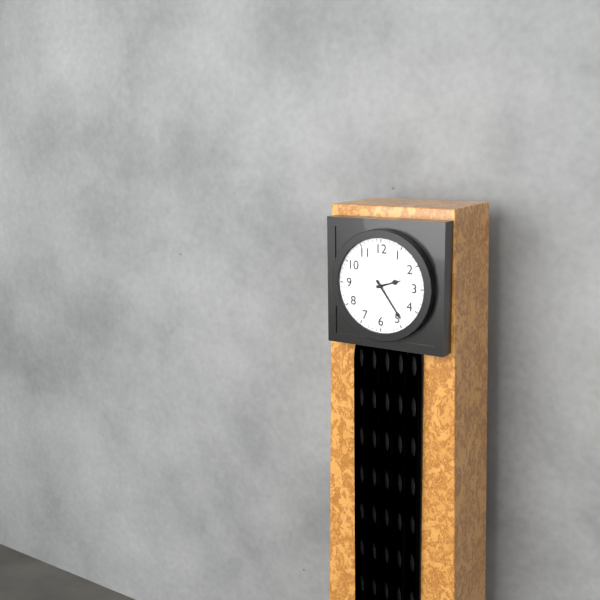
2 h 24 min
